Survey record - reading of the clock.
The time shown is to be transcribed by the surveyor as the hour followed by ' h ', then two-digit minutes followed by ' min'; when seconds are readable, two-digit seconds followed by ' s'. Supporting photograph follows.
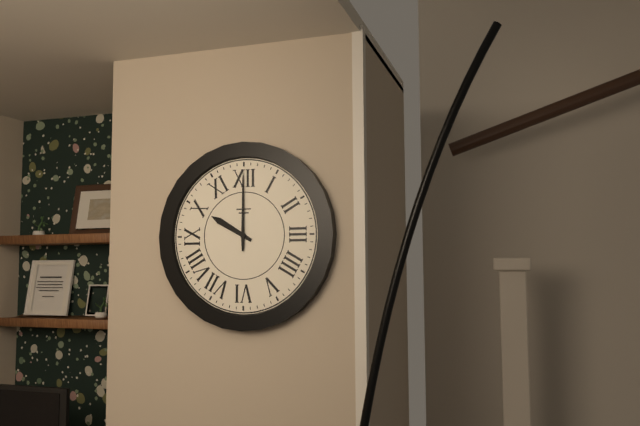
10 h 00 min
